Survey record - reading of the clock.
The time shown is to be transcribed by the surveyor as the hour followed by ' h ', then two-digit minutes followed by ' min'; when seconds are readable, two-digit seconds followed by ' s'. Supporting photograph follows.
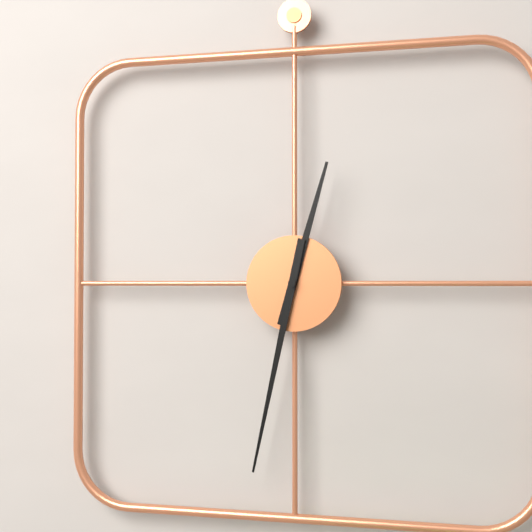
12 h 32 min
